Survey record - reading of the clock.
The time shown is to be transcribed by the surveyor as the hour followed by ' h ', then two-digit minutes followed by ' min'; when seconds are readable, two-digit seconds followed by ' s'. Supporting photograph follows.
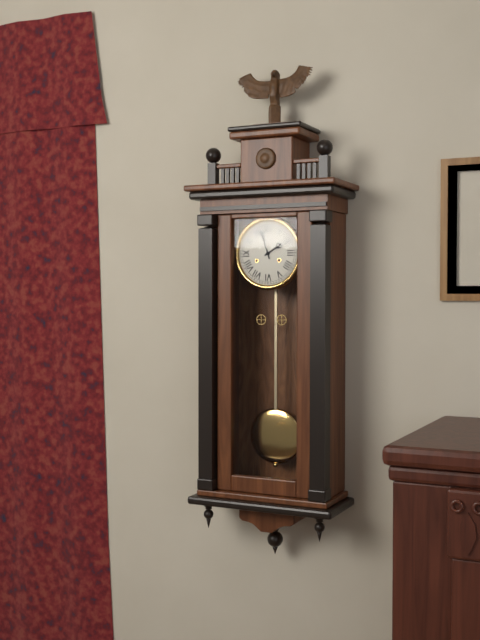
1 h 57 min
